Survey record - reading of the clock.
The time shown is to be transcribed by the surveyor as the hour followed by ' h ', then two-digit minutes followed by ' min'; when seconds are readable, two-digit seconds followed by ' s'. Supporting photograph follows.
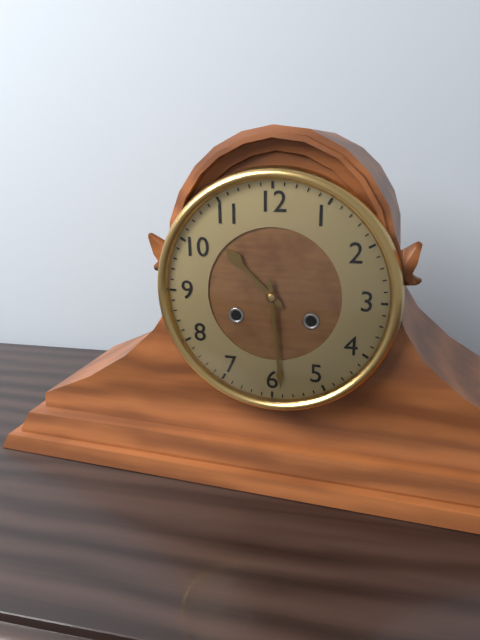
10 h 29 min
